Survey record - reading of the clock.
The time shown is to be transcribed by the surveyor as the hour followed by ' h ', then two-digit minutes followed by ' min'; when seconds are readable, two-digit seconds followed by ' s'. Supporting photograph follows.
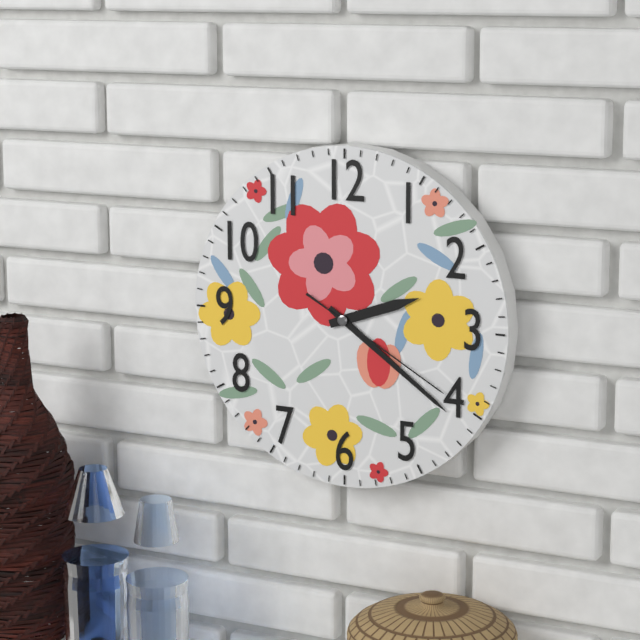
2 h 21 min 20 s
